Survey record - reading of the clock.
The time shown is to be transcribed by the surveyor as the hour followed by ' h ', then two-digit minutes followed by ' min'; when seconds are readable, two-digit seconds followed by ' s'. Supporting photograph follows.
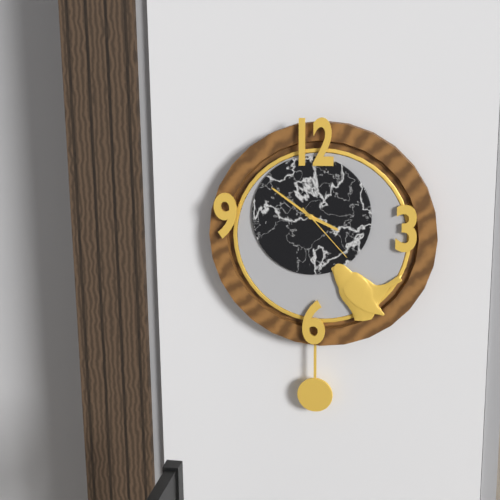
3 h 51 min 23 s
